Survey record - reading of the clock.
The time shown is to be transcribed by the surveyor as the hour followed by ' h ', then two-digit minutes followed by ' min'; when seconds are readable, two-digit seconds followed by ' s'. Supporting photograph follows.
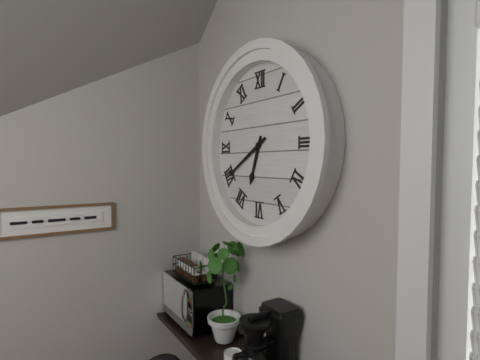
6 h 40 min
